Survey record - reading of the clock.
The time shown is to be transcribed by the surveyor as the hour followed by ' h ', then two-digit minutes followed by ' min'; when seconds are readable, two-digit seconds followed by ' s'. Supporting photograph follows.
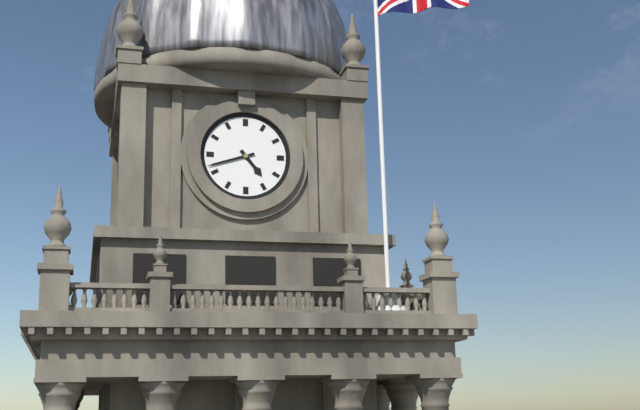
4 h 42 min
